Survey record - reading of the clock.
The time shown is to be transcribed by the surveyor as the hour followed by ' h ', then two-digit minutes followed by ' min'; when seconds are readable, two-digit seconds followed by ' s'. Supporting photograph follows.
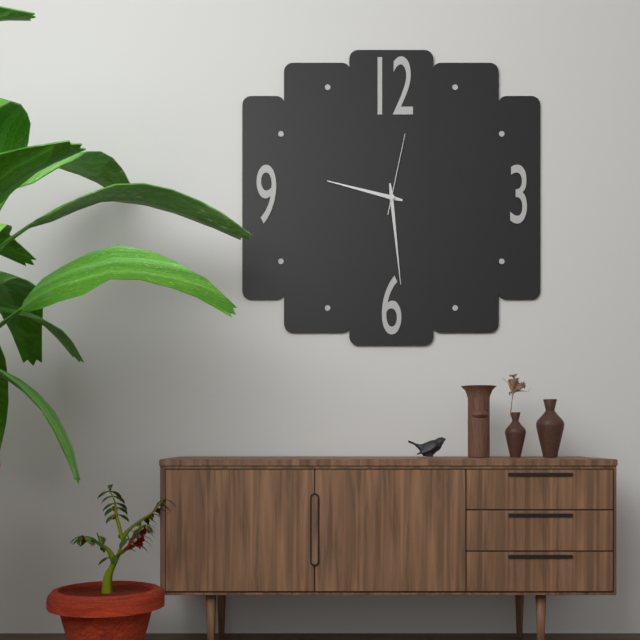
9 h 29 min 02 s
